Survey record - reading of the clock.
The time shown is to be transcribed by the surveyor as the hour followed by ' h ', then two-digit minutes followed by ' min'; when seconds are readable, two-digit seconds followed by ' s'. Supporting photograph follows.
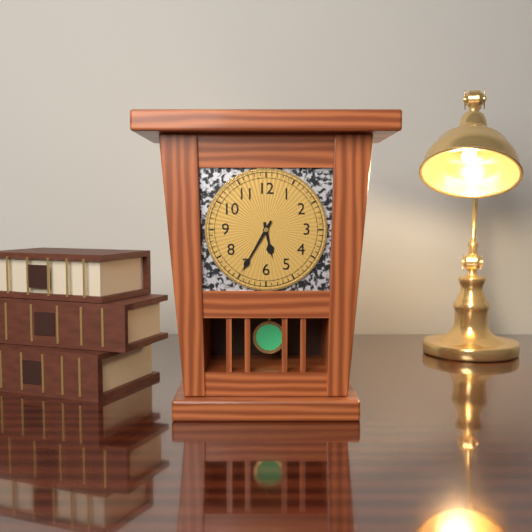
5 h 35 min
